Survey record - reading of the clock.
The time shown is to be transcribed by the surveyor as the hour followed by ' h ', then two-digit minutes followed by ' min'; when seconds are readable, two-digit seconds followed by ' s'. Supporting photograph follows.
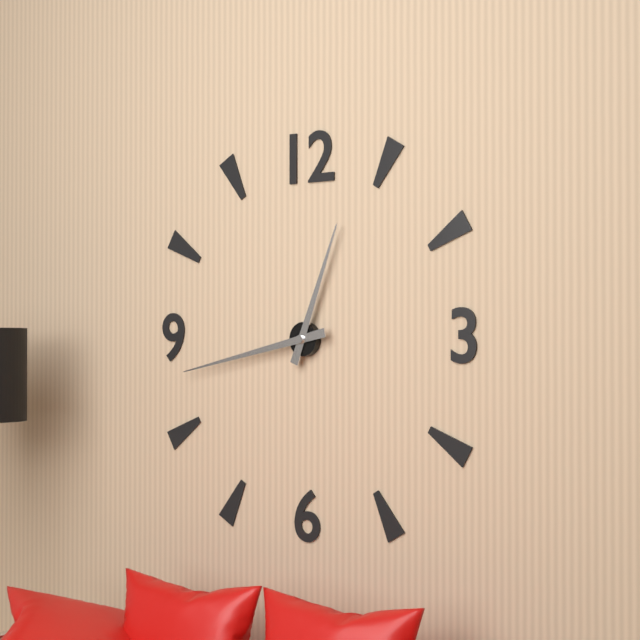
12 h 43 min
